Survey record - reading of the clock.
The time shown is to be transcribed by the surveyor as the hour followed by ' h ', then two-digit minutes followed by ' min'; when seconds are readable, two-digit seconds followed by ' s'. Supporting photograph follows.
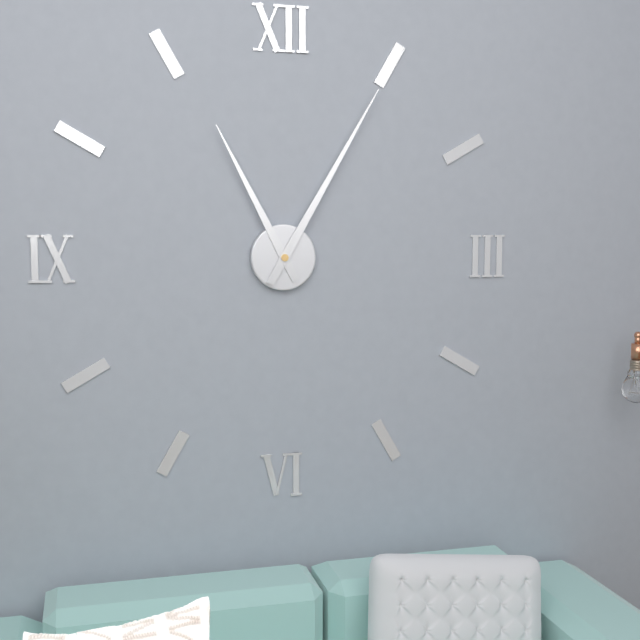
11 h 05 min
